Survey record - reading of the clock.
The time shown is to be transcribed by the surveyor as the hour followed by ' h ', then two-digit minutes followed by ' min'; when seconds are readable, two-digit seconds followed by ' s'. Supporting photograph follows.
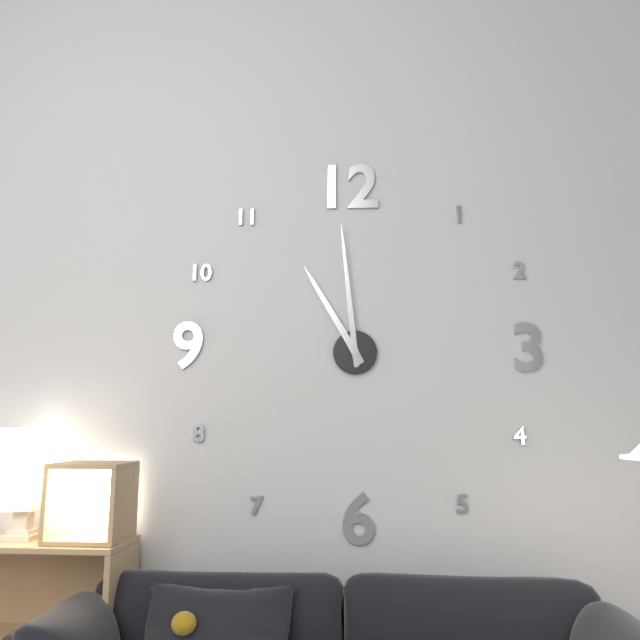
10 h 59 min
